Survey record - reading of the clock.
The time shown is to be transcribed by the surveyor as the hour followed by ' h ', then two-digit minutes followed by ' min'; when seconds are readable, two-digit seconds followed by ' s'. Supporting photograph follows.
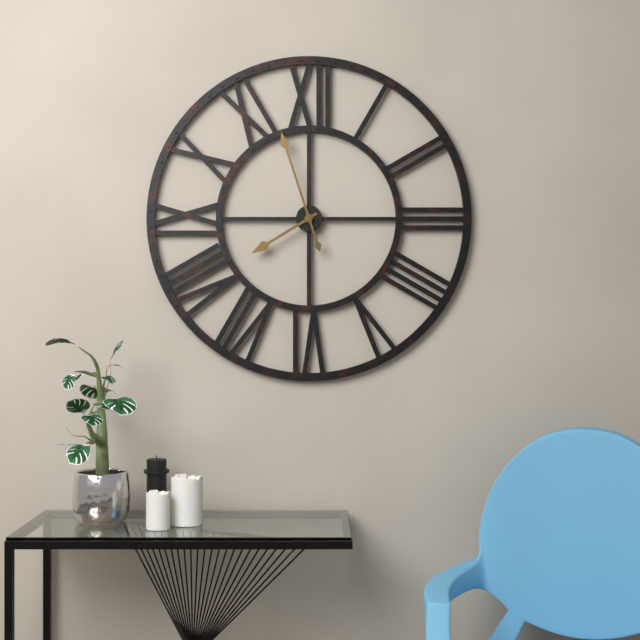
7 h 57 min
